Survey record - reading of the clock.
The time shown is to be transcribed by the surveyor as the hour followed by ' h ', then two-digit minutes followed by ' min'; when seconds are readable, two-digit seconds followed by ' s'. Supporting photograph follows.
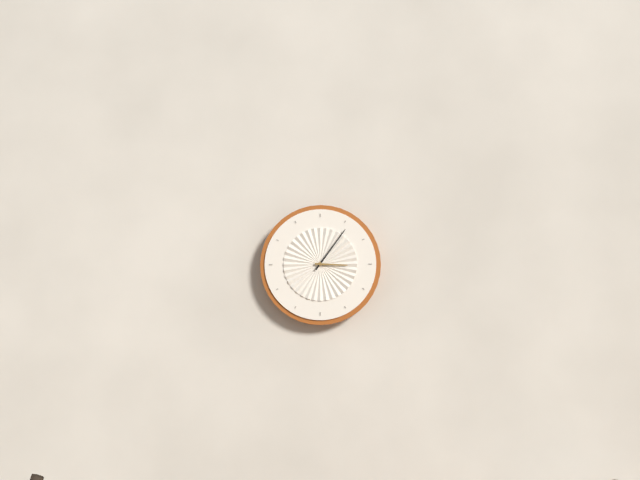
3 h 06 min
